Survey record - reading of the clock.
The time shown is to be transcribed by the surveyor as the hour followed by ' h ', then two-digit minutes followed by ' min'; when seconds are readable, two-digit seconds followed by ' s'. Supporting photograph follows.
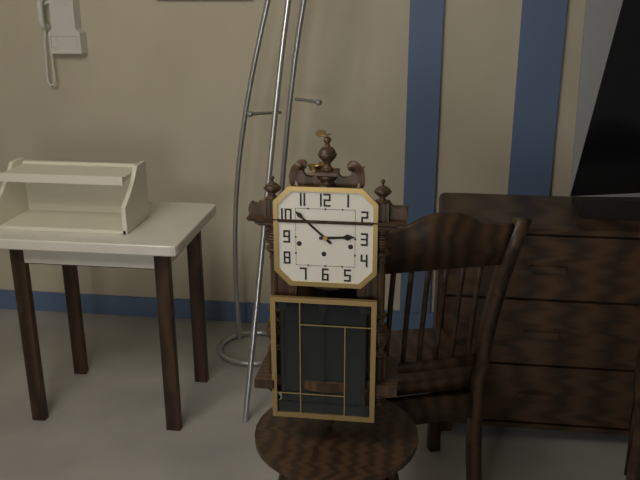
2 h 52 min
